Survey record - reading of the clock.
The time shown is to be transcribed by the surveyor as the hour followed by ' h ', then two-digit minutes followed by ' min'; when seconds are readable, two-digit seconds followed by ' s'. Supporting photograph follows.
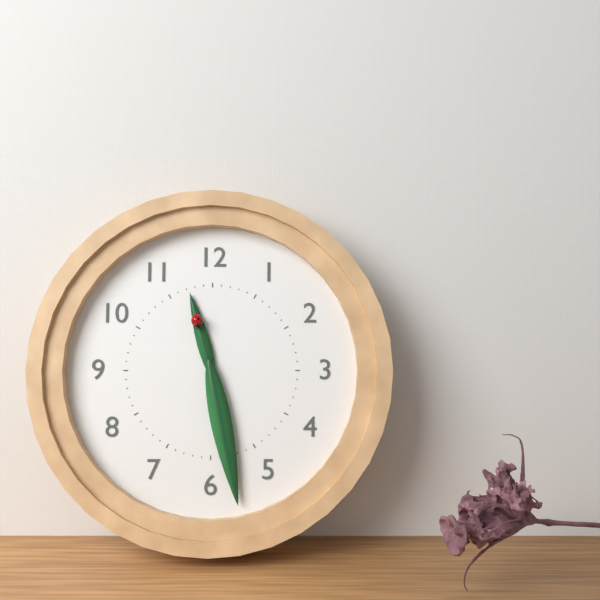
11 h 28 min
